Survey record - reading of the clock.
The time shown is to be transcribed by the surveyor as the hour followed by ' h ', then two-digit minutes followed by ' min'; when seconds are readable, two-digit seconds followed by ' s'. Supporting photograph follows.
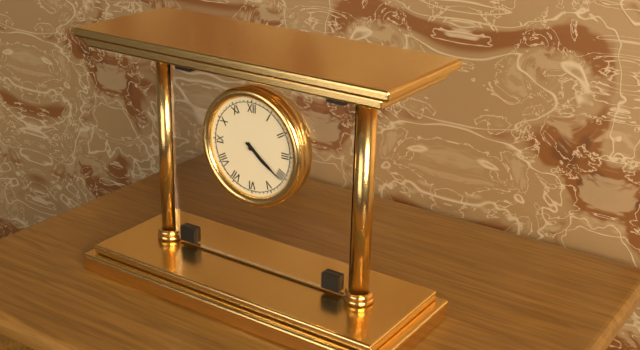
4 h 21 min
